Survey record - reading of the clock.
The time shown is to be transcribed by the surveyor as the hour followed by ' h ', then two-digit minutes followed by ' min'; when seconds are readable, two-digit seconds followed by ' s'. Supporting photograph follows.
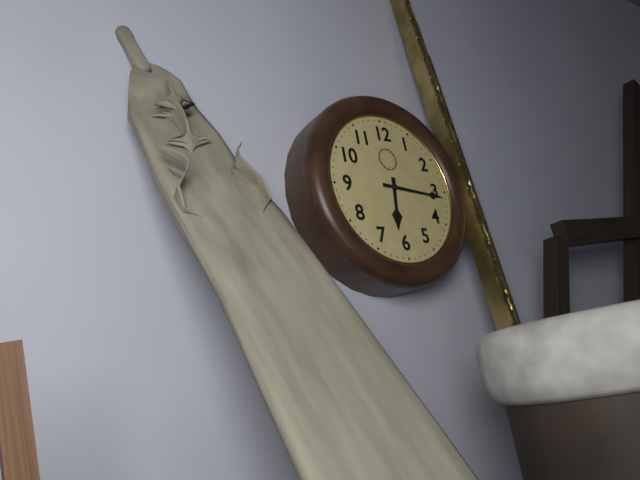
6 h 16 min
